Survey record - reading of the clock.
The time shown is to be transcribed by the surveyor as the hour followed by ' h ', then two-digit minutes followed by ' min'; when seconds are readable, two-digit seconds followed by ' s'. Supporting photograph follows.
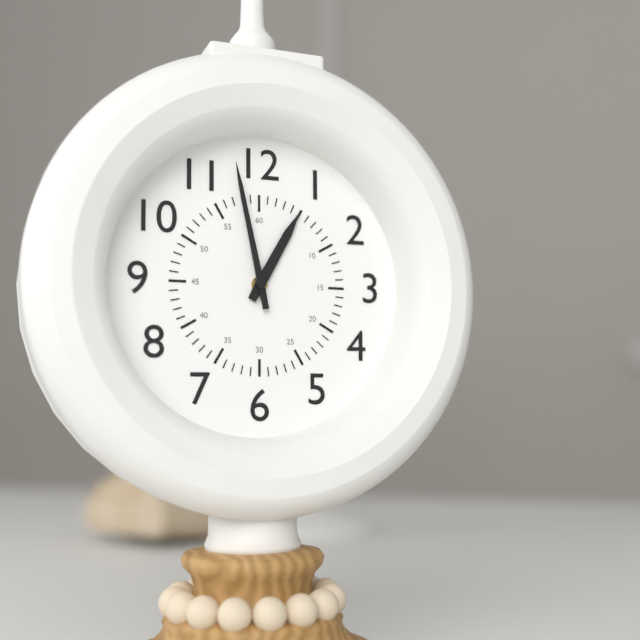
12 h 58 min
